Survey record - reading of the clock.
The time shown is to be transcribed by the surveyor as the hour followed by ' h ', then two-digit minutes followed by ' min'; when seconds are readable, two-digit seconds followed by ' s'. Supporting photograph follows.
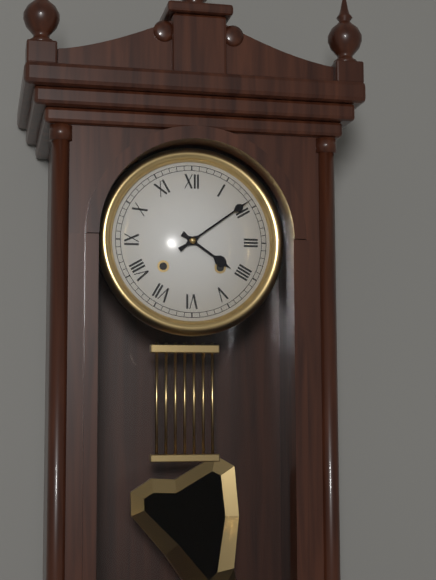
4 h 09 min
